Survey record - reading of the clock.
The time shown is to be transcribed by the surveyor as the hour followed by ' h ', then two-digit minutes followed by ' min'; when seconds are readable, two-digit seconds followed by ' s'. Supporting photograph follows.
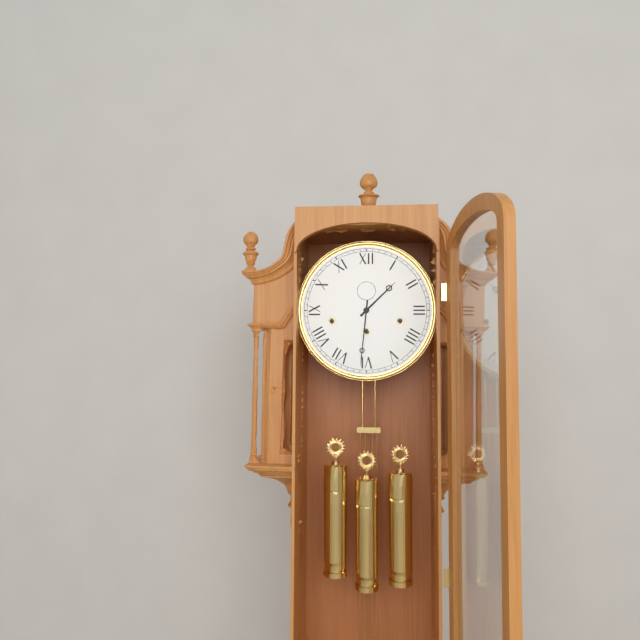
1 h 31 min
